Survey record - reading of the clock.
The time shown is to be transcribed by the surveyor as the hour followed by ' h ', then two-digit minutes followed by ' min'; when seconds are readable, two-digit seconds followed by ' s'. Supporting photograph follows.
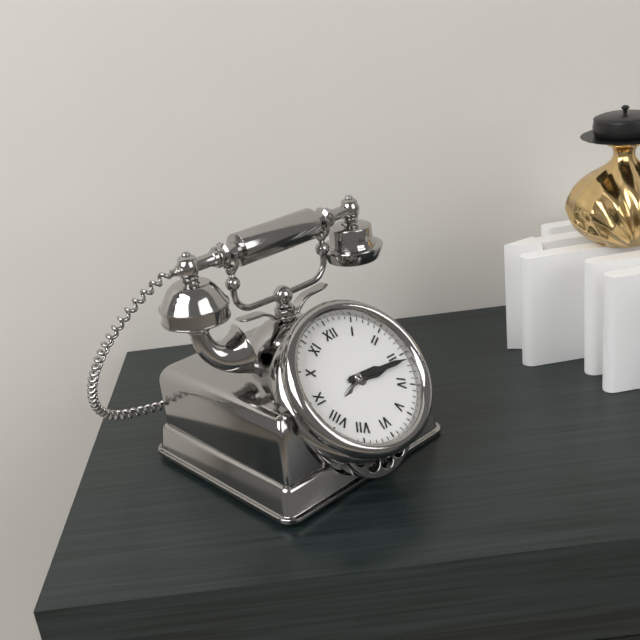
3 h 16 min
